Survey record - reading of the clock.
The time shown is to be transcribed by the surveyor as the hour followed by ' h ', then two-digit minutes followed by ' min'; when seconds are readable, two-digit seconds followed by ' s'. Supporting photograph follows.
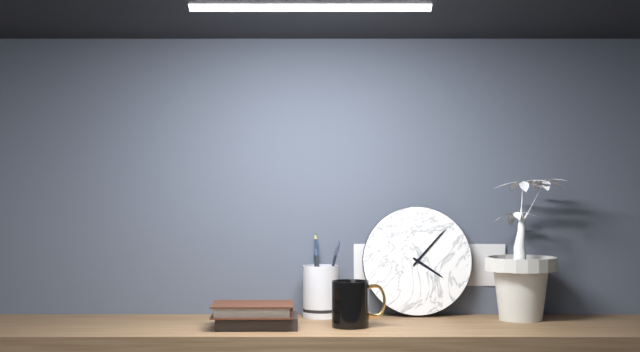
4 h 07 min
